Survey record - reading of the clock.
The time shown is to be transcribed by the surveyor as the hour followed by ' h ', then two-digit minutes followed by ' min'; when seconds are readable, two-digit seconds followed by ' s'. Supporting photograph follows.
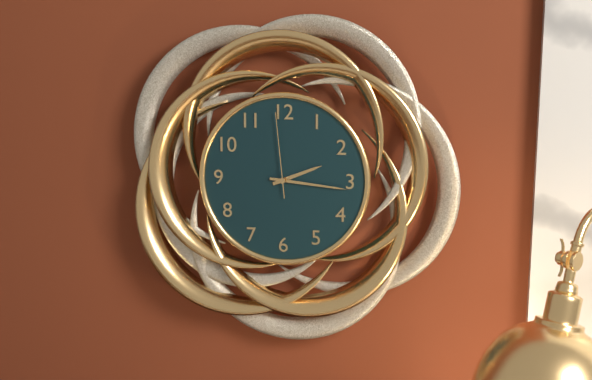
2 h 16 min 59 s
